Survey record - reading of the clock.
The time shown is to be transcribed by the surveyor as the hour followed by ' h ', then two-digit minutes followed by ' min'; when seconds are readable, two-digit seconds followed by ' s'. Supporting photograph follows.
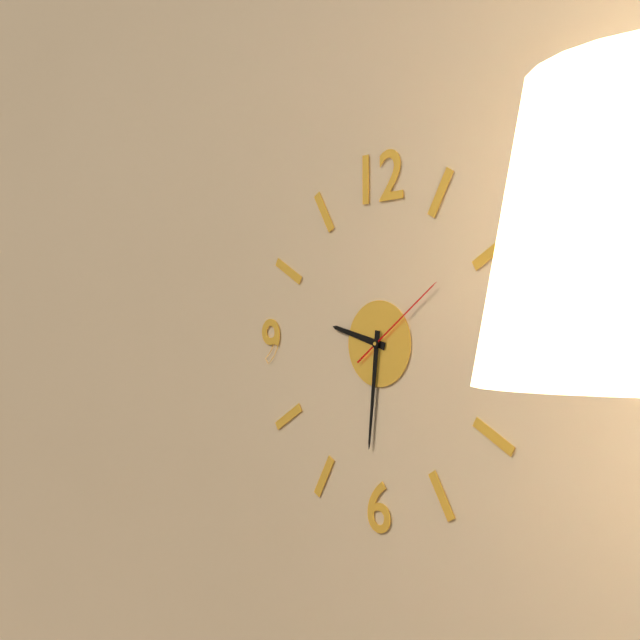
9 h 31 min 09 s
